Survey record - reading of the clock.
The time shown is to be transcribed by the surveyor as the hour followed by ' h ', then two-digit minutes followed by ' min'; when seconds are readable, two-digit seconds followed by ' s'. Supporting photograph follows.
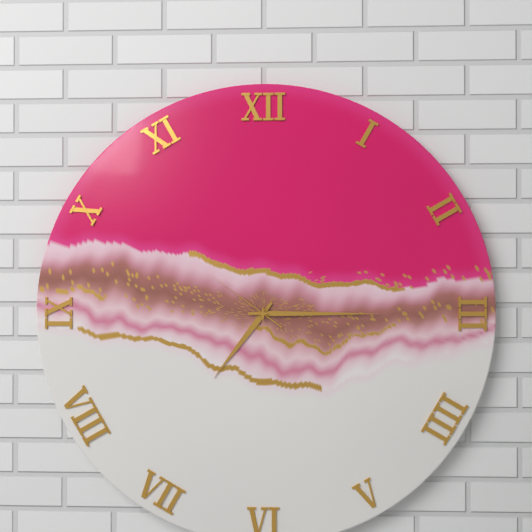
7 h 15 min 51 s
